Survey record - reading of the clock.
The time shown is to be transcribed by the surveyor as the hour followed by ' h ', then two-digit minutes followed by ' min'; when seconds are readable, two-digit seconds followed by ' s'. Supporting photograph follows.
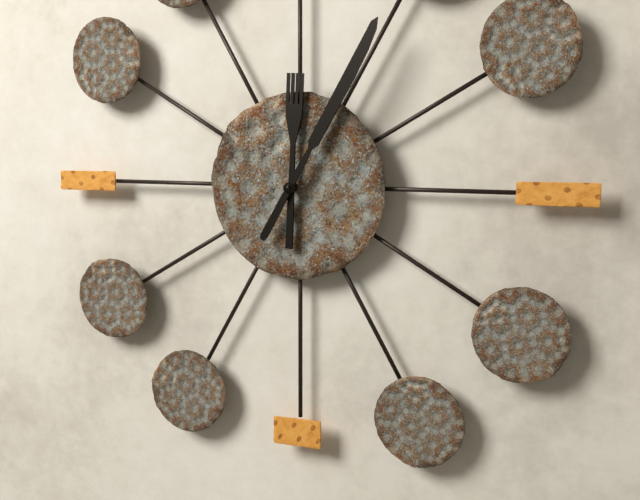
12 h 05 min
